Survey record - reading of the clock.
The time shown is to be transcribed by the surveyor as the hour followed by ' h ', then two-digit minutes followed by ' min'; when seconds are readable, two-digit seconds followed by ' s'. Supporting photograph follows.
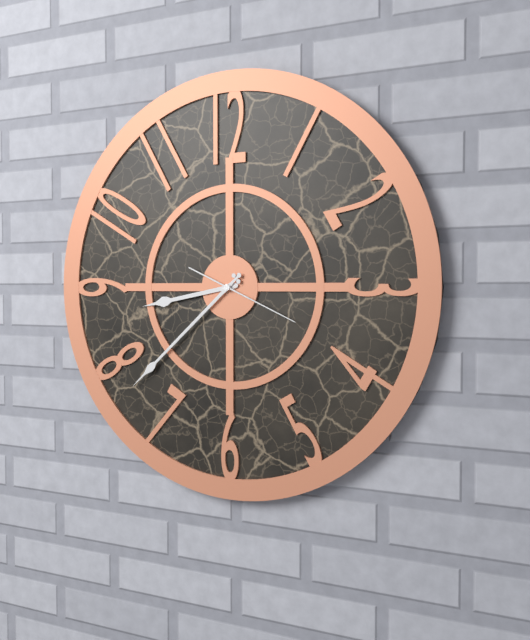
8 h 38 min 19 s
